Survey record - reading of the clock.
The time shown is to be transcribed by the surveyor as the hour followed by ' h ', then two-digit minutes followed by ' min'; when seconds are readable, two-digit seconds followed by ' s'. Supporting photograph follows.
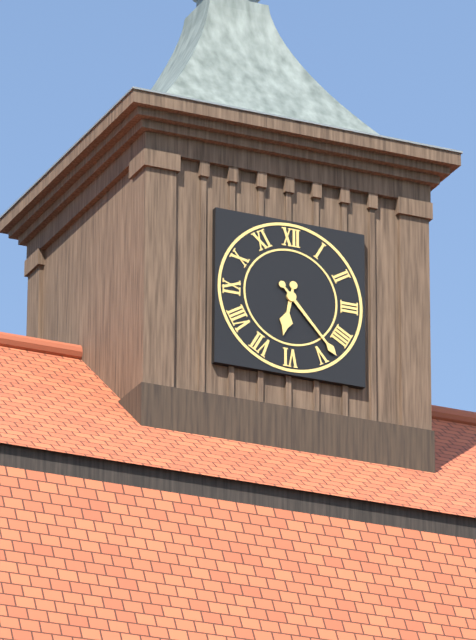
6 h 23 min
